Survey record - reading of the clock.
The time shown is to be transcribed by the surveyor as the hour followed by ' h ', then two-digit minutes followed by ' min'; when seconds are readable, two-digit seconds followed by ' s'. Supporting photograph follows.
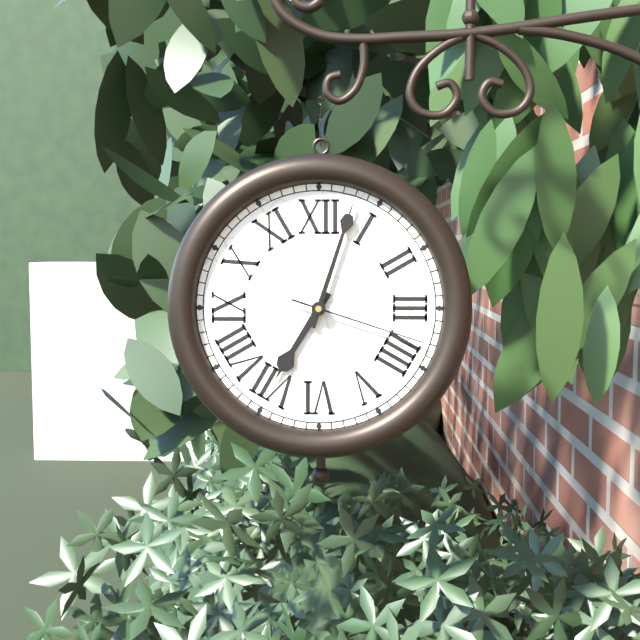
7 h 03 min 18 s
